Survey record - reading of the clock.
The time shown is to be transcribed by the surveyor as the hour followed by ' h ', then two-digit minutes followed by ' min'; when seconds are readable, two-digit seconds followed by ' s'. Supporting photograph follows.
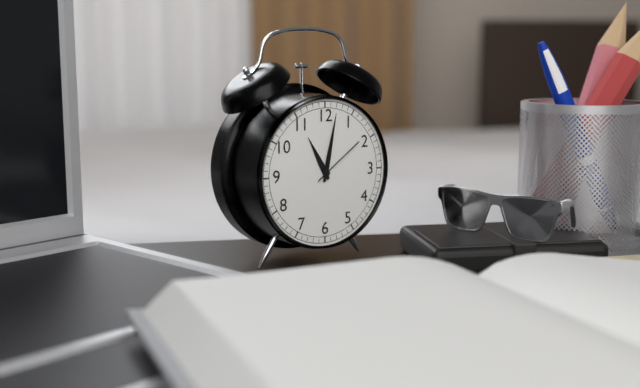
11 h 02 min 09 s
